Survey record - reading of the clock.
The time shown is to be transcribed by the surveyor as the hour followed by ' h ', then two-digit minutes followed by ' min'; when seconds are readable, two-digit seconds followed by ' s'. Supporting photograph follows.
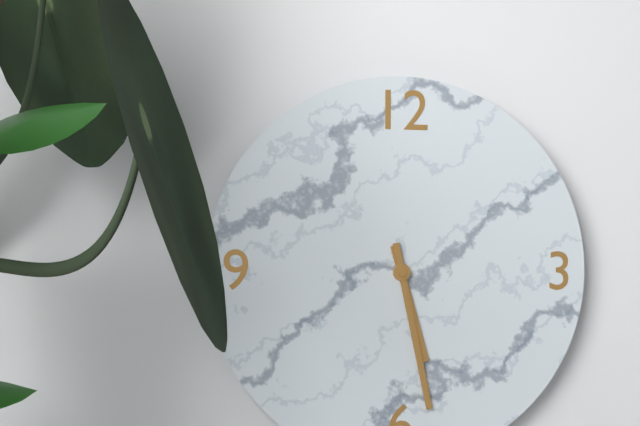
5 h 28 min
